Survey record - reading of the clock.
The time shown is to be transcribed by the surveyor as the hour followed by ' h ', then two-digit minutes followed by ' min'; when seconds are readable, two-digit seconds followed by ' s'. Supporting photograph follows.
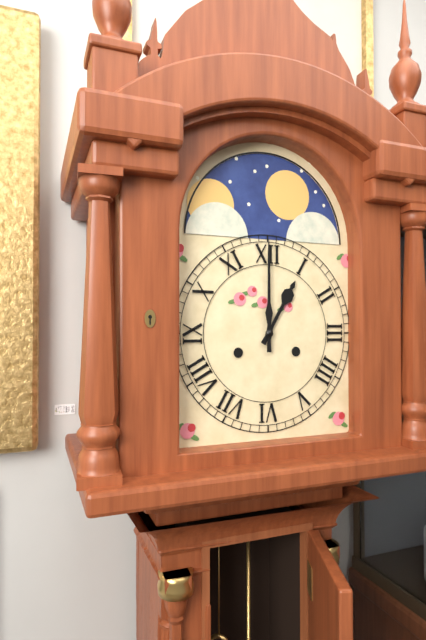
1 h 00 min
